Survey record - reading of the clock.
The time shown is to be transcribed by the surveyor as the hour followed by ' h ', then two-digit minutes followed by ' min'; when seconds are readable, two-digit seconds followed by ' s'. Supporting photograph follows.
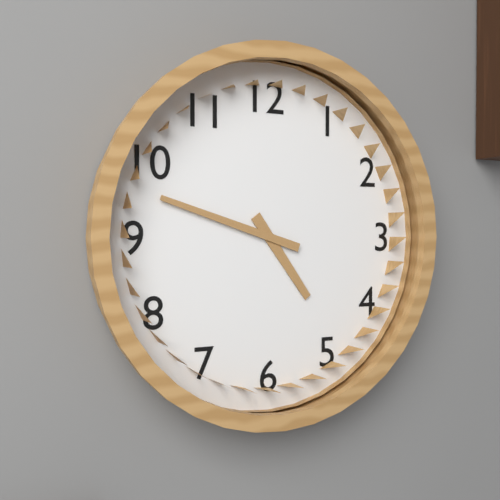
4 h 48 min
